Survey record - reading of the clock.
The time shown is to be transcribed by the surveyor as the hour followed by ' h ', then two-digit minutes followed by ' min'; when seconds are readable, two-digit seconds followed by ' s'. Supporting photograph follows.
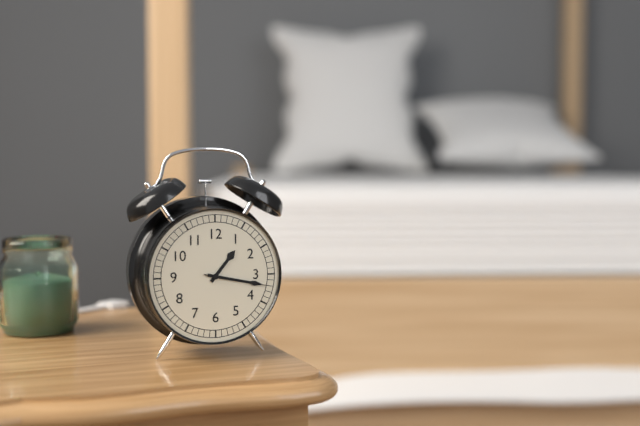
1 h 17 min 17 s
